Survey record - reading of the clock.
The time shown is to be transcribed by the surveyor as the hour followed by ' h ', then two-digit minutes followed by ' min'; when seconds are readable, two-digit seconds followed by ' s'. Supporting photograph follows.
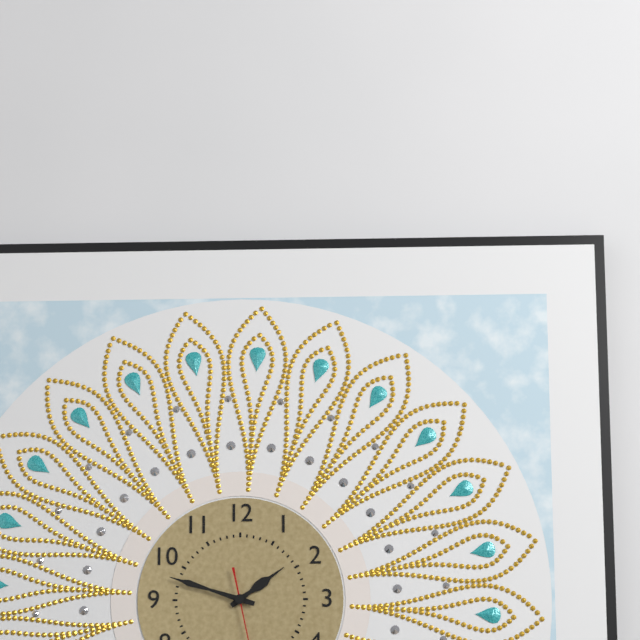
1 h 48 min
